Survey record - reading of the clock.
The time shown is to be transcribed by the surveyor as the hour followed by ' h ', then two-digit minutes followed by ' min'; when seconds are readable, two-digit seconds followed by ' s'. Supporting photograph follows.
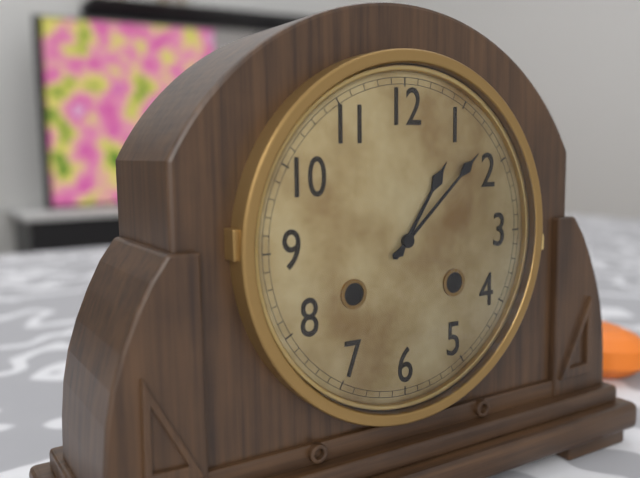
1 h 08 min
